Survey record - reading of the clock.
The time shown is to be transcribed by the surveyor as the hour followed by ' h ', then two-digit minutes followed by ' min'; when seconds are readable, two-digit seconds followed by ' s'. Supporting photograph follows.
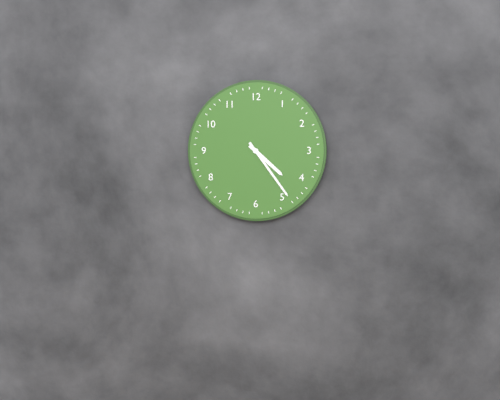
4 h 24 min
